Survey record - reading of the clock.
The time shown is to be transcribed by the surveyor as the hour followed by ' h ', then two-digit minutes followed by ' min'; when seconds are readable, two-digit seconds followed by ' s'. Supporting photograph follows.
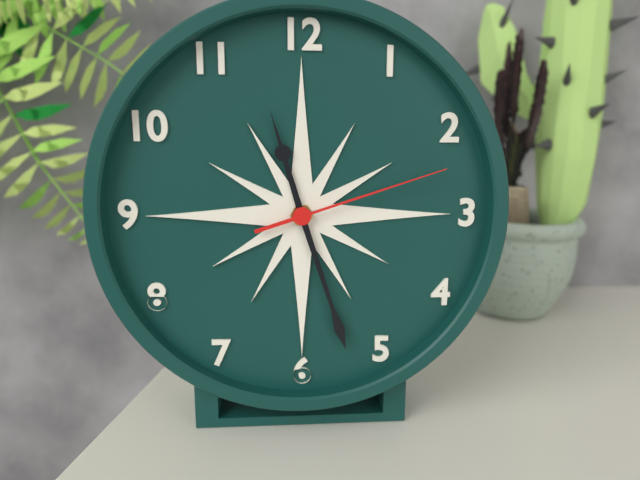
11 h 27 min 12 s
